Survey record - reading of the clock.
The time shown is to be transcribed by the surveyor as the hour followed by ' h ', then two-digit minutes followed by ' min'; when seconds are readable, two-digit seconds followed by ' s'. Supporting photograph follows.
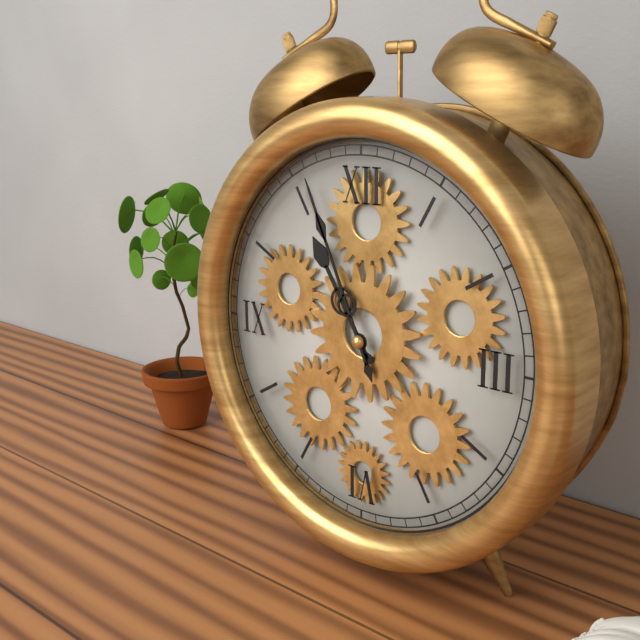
10 h 56 min
